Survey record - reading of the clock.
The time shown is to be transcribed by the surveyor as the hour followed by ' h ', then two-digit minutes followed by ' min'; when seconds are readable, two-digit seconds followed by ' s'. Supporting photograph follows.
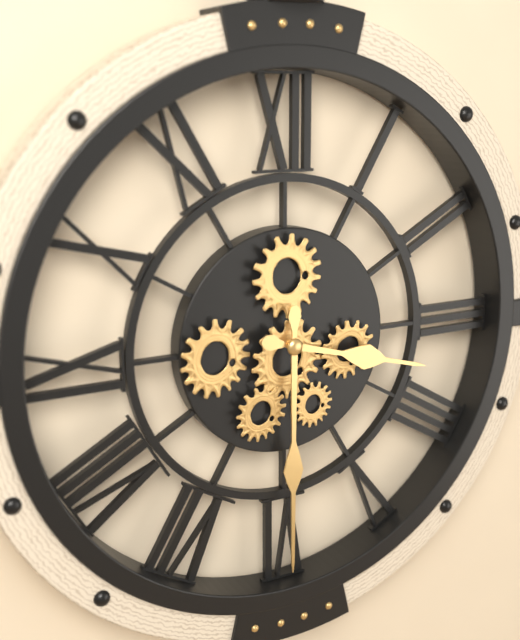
3 h 30 min
